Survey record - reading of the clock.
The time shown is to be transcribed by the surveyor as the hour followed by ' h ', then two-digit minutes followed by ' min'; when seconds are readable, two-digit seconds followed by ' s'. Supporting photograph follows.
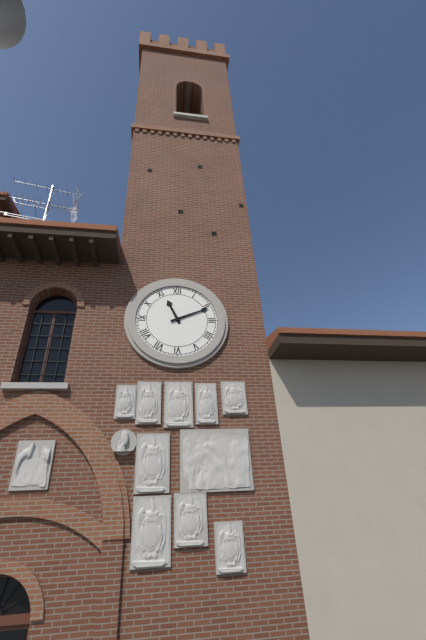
11 h 11 min
